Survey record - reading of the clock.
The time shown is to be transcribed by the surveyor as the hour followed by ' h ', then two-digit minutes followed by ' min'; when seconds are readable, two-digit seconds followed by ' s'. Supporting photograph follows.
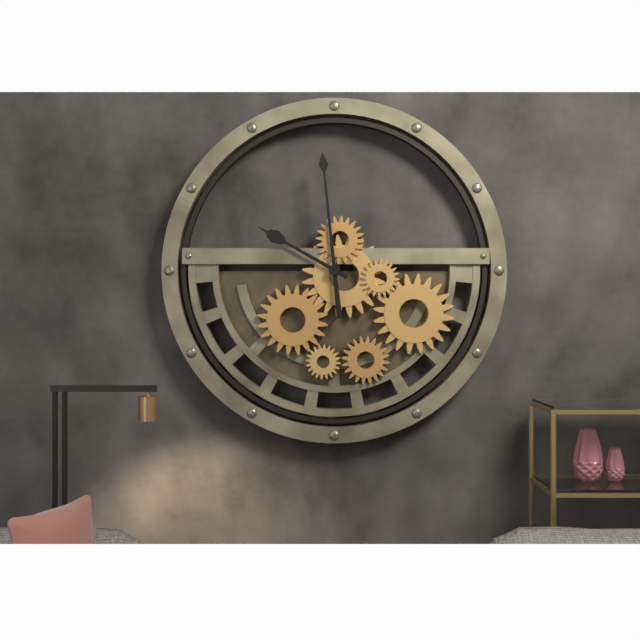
9 h 59 min
